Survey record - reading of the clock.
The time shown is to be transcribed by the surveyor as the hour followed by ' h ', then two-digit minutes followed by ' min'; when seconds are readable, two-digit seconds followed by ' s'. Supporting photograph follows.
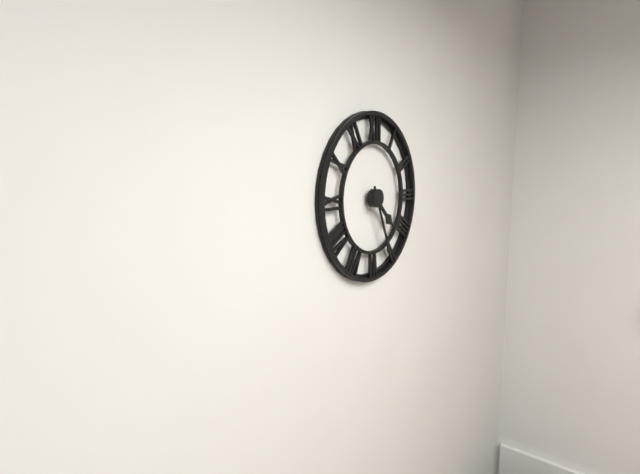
4 h 26 min
